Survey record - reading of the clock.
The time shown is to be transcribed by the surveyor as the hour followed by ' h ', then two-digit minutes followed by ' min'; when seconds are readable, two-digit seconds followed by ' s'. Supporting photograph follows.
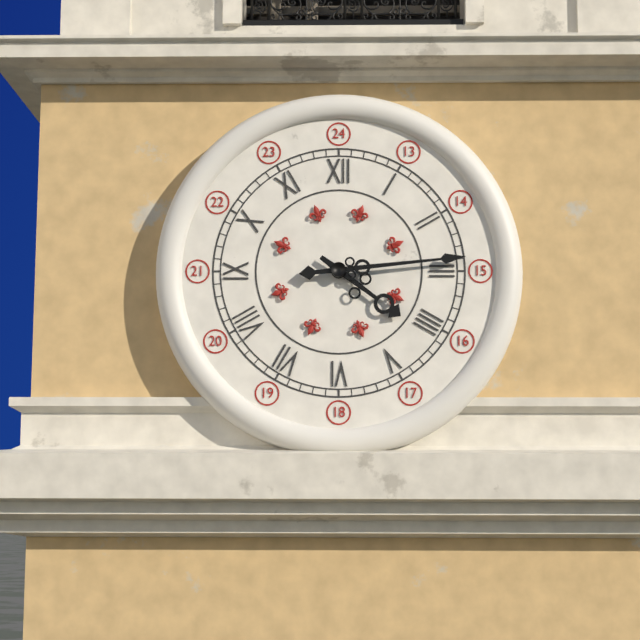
4 h 14 min
